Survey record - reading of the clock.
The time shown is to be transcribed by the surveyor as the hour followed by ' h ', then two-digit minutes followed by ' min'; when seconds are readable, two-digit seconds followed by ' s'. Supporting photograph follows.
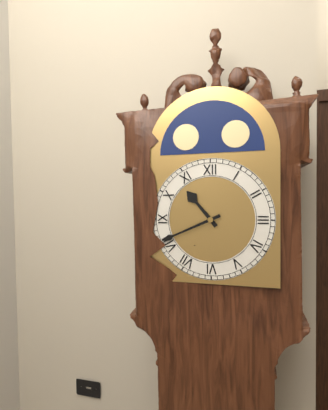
10 h 41 min
